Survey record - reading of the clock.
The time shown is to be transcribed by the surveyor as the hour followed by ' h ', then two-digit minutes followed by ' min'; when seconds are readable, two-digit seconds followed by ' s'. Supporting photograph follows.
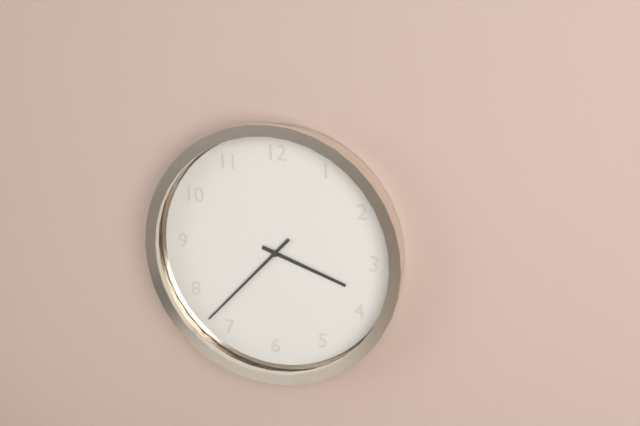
3 h 37 min
